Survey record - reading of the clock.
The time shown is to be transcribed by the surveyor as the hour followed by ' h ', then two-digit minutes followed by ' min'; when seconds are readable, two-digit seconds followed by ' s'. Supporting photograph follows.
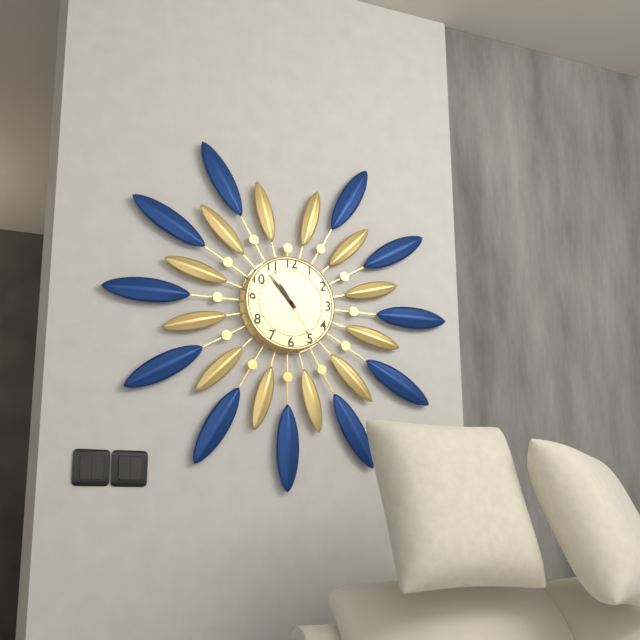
10 h 53 min
